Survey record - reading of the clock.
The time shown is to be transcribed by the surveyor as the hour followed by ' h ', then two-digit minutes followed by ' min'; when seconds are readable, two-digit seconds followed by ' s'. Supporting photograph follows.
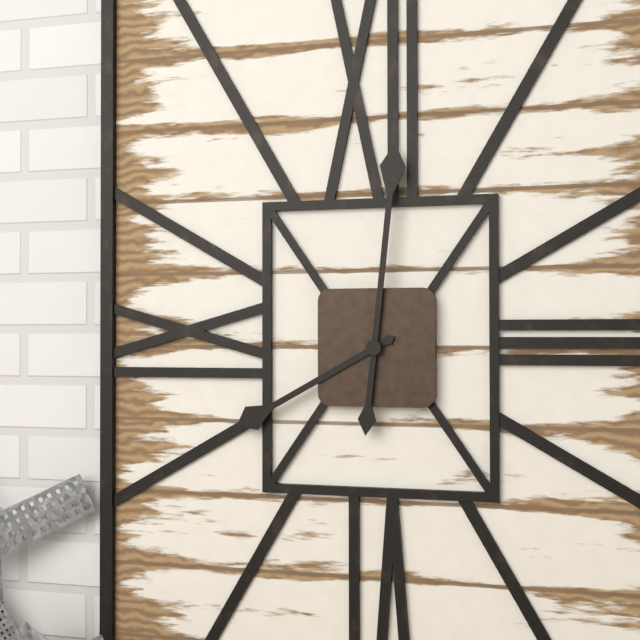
8 h 01 min
